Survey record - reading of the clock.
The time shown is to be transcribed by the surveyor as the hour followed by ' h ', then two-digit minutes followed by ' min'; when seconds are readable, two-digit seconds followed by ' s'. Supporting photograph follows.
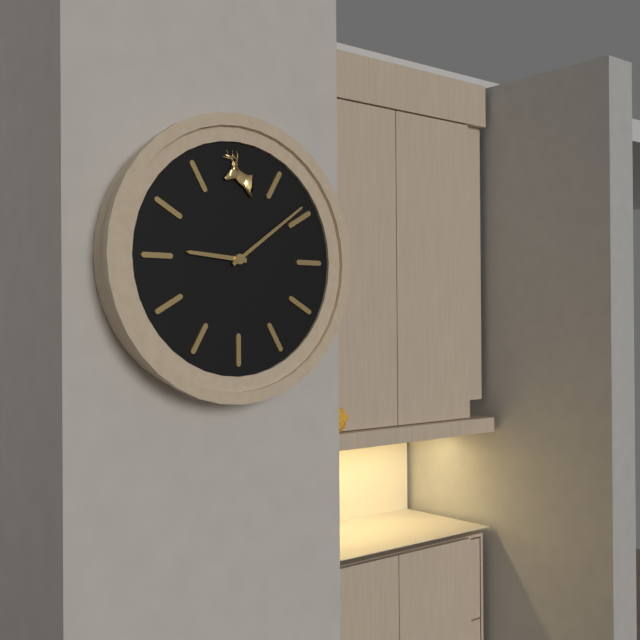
9 h 09 min
